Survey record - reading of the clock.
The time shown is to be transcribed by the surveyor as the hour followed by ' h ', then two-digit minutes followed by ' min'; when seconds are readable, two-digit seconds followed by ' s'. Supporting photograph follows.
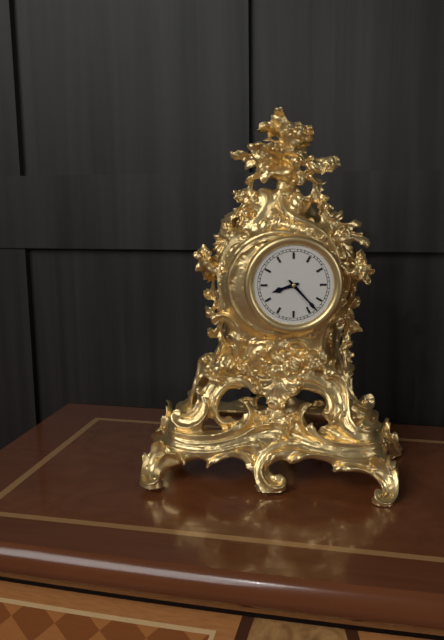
8 h 23 min
